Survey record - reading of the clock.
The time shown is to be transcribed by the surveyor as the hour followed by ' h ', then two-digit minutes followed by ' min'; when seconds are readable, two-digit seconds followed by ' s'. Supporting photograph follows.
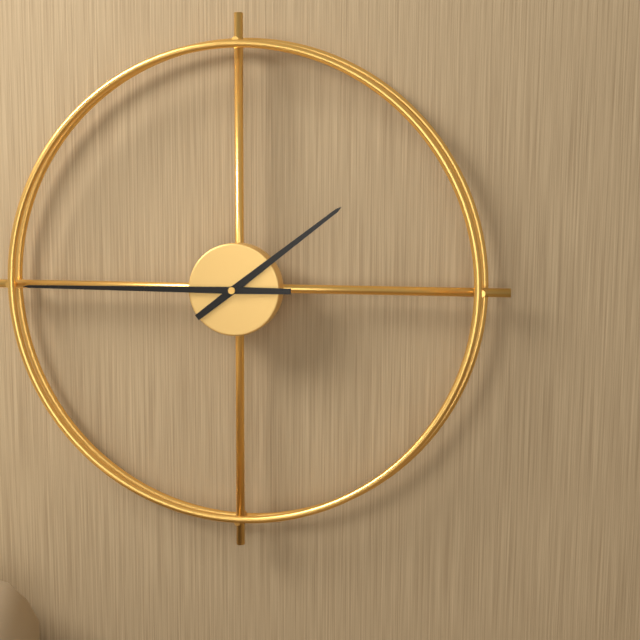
1 h 45 min
